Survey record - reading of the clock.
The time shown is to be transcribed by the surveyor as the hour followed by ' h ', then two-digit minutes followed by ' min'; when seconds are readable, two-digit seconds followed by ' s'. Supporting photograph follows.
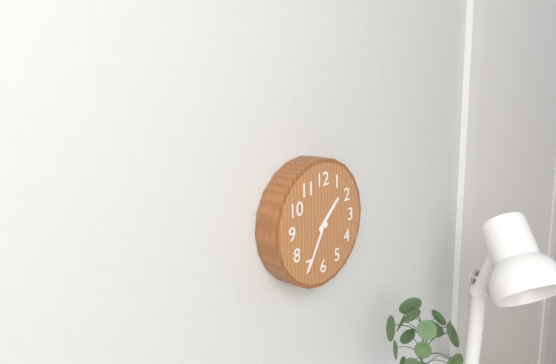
1 h 35 min
